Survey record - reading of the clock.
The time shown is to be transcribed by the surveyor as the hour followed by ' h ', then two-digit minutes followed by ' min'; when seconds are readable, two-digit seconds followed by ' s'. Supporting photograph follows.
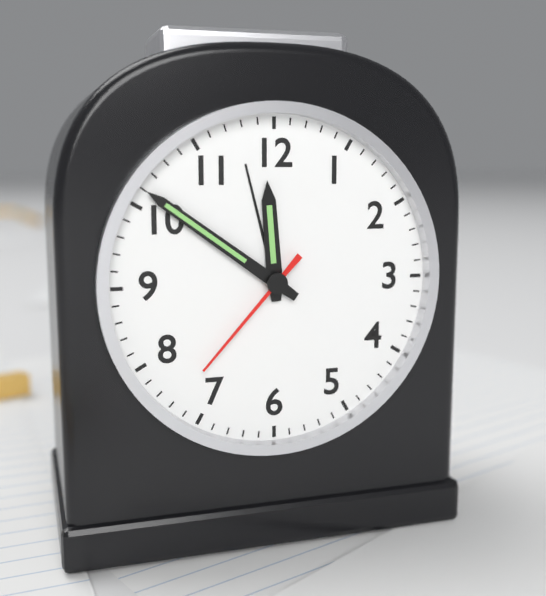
11 h 51 min 37 s
